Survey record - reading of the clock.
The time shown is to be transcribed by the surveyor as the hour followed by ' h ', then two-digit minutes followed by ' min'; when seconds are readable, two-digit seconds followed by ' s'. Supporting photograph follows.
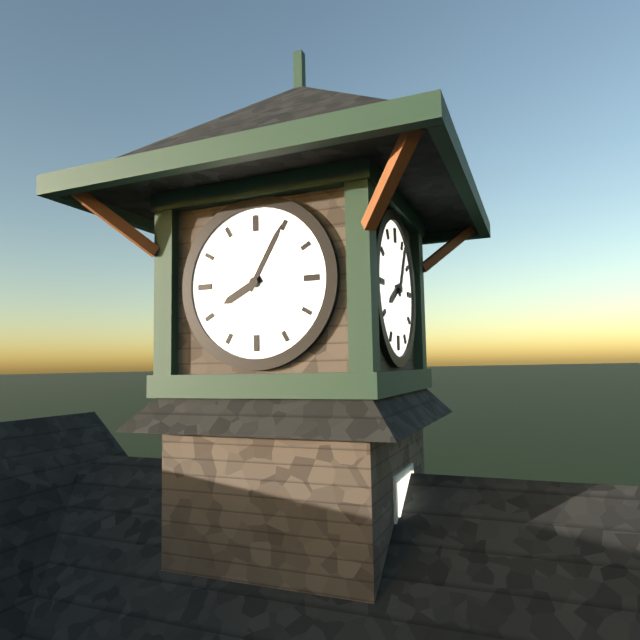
8 h 05 min
